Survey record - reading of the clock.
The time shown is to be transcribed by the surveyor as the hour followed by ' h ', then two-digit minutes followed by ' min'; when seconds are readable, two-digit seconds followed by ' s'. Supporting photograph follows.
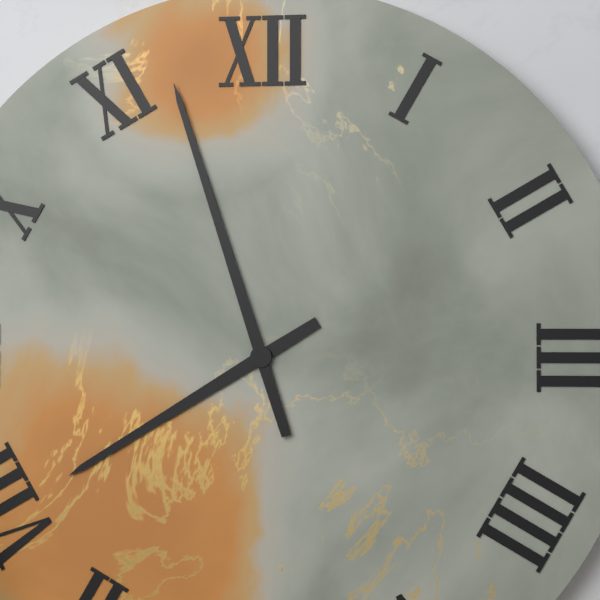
7 h 57 min
